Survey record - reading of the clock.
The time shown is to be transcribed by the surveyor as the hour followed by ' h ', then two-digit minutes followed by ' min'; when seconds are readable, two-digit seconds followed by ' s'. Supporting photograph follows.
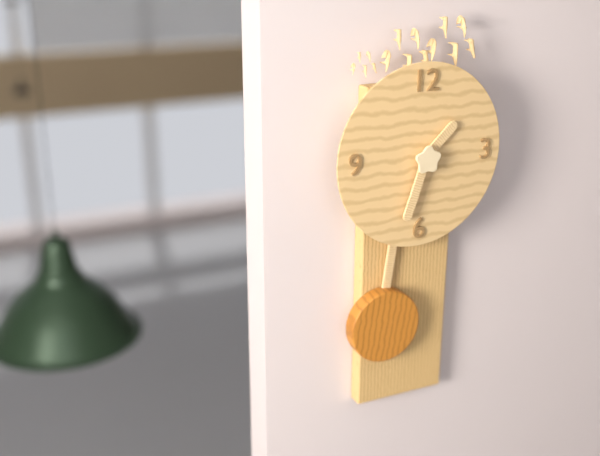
1 h 33 min
